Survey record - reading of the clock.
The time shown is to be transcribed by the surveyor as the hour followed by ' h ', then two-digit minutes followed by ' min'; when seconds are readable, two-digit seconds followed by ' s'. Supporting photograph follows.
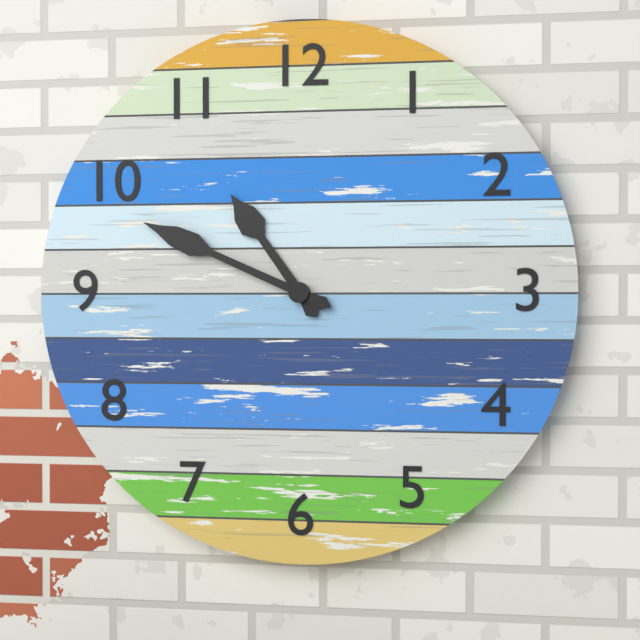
10 h 49 min
